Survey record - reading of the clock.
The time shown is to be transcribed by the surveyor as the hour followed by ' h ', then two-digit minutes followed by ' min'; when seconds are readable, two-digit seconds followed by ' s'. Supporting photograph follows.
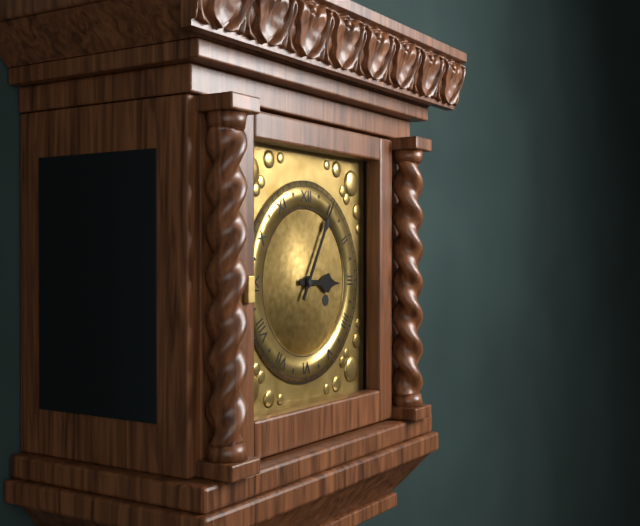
3 h 05 min
